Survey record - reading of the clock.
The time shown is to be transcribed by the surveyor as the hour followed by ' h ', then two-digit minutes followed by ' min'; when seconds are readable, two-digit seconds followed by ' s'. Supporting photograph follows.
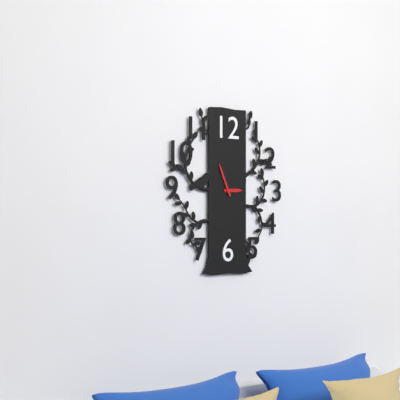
2 h 56 min
